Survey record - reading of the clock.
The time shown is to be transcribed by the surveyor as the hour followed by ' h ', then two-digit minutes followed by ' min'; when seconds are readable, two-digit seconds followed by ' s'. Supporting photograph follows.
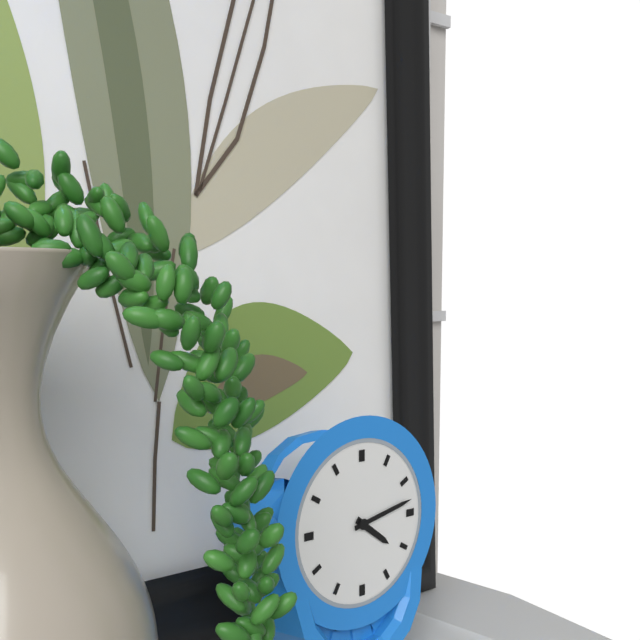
4 h 13 min
